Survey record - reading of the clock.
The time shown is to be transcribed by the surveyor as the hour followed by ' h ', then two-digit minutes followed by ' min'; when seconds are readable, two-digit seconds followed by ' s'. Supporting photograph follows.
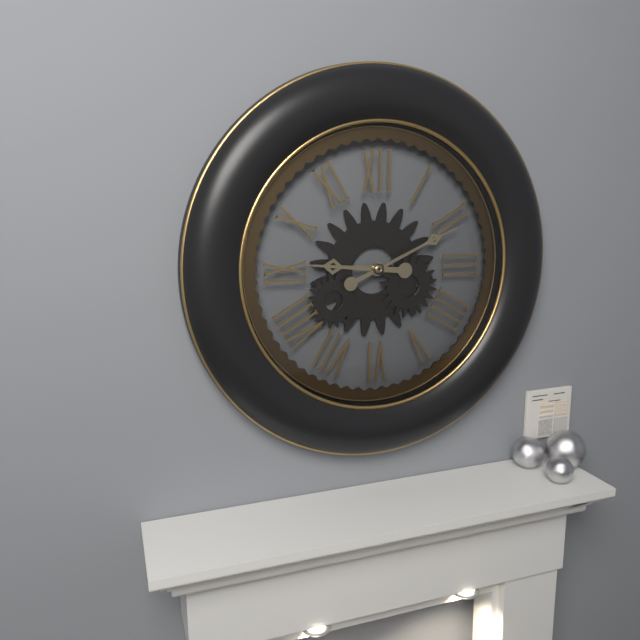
9 h 11 min
